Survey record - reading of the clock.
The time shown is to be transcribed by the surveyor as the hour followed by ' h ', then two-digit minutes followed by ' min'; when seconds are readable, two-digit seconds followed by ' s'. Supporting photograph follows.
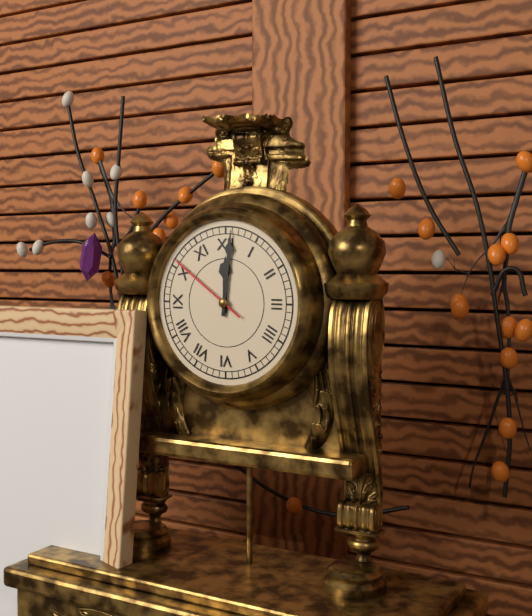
12 h 01 min 51 s
